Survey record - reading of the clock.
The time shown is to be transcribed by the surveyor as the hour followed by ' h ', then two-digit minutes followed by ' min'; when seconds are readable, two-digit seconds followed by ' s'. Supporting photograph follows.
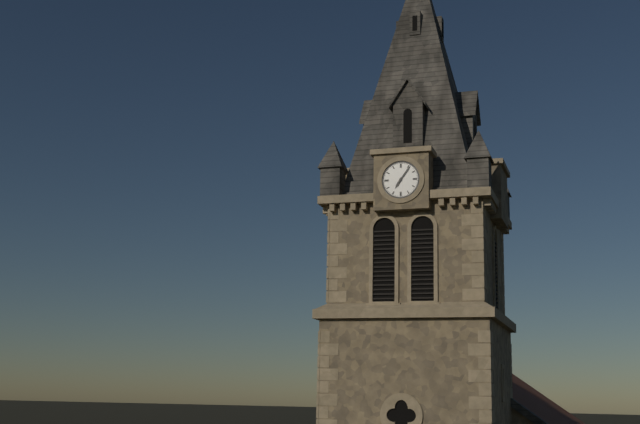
7 h 06 min
